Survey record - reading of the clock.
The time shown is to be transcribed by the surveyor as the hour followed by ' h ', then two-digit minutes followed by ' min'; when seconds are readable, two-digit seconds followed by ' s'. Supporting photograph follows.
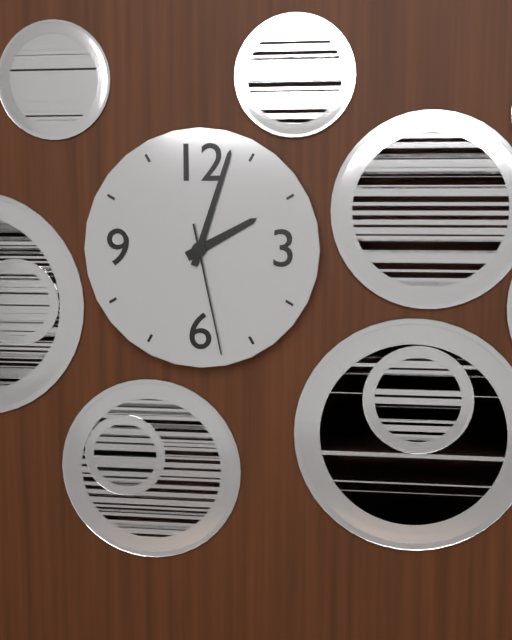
2 h 03 min 28 s
